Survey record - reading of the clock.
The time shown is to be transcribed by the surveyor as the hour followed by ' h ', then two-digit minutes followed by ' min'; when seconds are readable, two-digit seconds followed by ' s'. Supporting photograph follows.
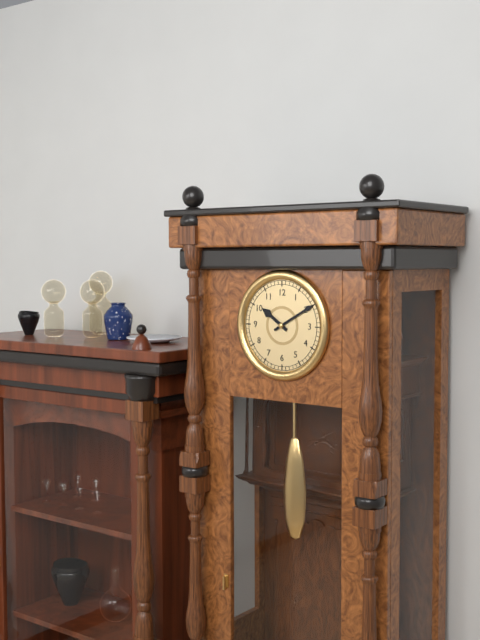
10 h 10 min
